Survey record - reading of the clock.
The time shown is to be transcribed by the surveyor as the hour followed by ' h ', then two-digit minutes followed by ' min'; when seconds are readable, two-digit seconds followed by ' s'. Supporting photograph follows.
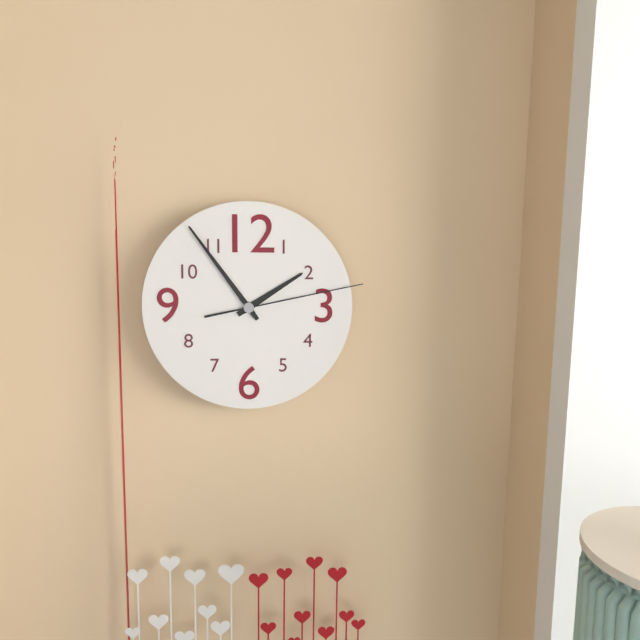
1 h 54 min 13 s
